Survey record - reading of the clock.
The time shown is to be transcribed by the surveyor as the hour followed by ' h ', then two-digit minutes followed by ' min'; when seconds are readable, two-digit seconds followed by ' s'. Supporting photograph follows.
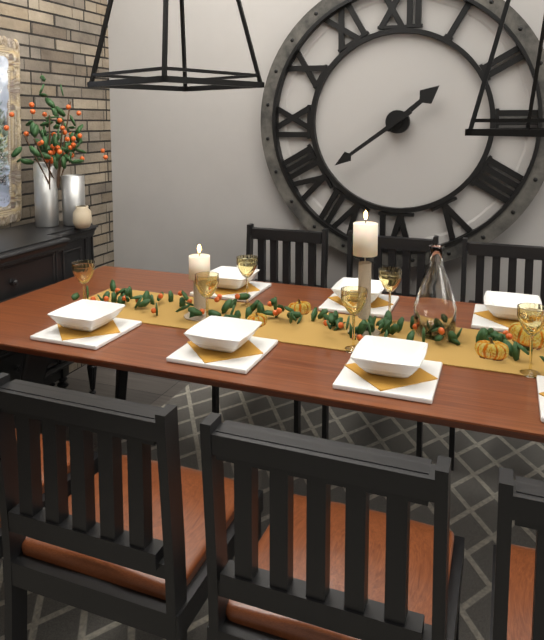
1 h 39 min
